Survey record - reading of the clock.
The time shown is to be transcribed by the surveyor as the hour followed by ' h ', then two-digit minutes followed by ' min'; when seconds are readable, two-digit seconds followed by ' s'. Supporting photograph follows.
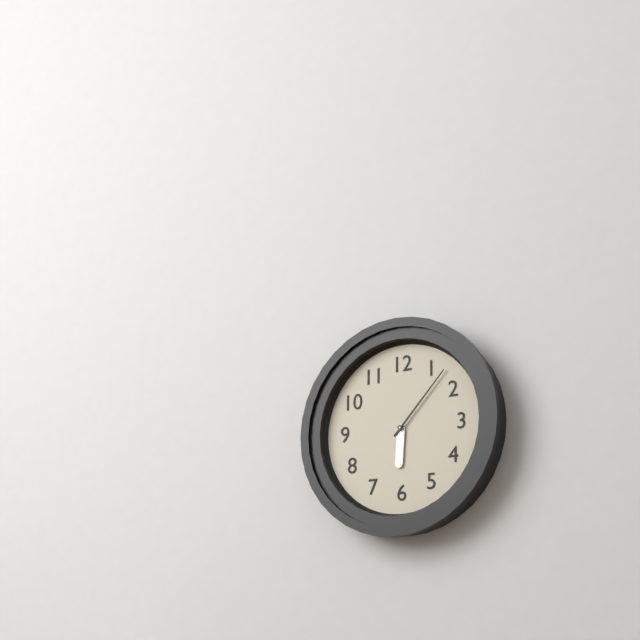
6 h 07 min
